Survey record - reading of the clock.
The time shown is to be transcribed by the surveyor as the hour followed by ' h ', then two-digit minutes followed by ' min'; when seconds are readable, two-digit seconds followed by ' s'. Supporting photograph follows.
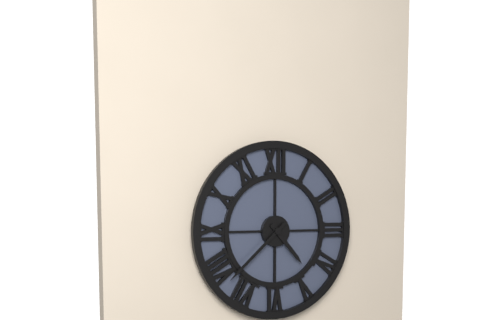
4 h 38 min
